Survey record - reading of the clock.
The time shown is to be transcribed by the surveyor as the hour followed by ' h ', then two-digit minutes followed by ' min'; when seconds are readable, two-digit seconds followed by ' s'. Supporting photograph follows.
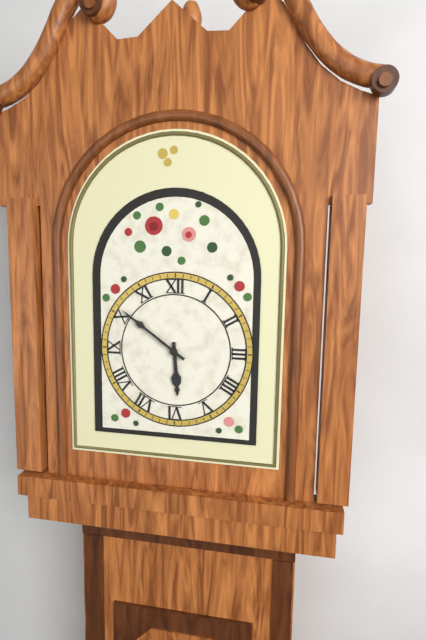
5 h 51 min
